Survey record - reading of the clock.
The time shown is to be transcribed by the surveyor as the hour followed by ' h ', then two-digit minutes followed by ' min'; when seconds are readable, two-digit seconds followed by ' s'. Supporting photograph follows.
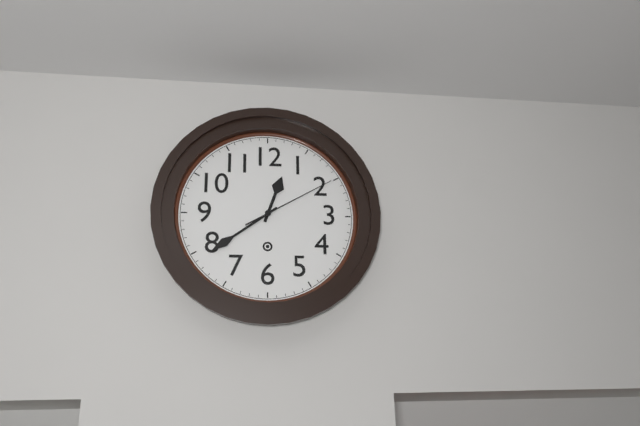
12 h 39 min 10 s
